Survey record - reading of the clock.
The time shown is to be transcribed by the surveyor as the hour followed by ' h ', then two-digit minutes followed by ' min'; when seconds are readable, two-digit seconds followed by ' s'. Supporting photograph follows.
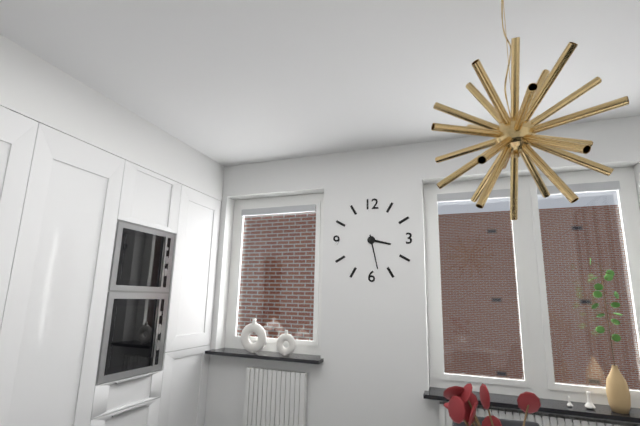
3 h 28 min
